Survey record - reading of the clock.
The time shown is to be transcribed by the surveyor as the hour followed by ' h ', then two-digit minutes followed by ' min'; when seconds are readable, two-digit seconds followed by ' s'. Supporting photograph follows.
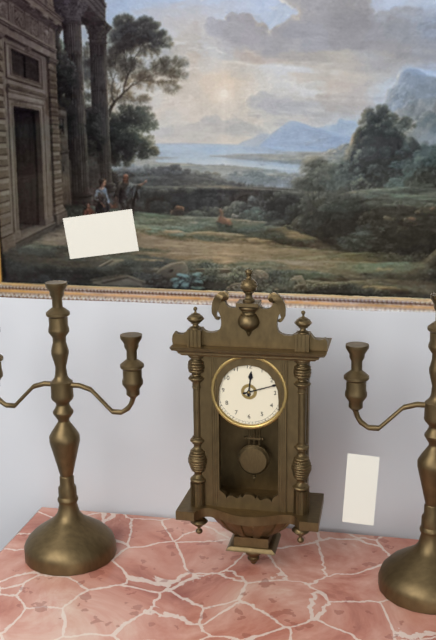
12 h 12 min
